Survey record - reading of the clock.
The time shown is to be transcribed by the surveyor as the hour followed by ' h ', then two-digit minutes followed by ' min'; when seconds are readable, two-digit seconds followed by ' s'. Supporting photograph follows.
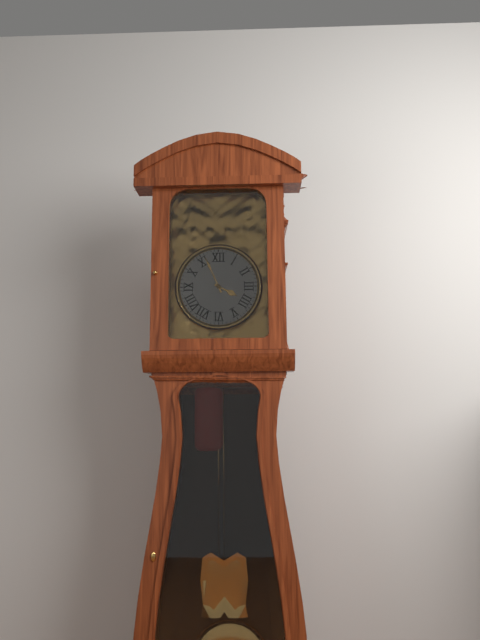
3 h 56 min
